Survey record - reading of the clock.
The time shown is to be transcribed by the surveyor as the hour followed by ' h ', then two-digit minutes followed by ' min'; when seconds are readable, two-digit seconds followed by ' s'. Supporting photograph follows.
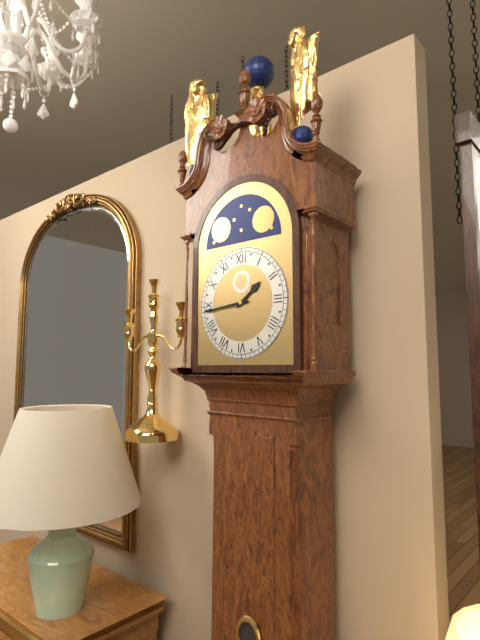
1 h 44 min
